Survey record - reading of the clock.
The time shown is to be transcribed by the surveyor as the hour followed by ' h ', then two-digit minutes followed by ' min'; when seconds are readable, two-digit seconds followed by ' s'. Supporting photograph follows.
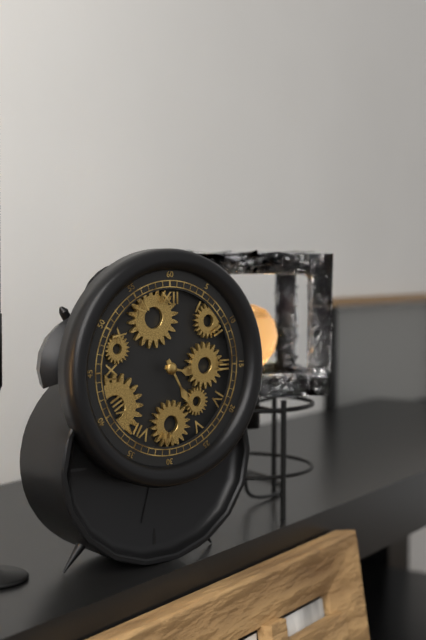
3 h 25 min
